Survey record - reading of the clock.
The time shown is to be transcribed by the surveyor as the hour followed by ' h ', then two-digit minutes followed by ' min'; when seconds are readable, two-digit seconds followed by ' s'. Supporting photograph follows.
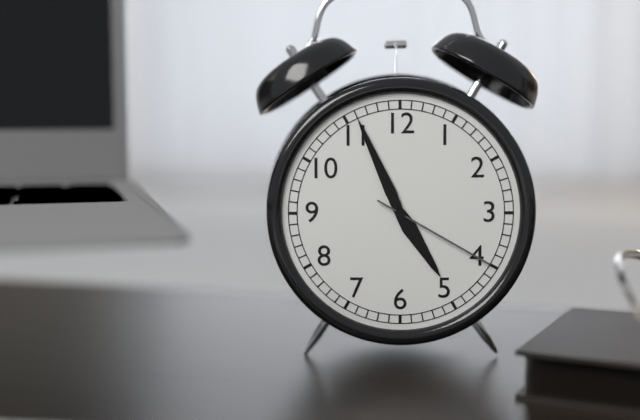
4 h 56 min 20 s
